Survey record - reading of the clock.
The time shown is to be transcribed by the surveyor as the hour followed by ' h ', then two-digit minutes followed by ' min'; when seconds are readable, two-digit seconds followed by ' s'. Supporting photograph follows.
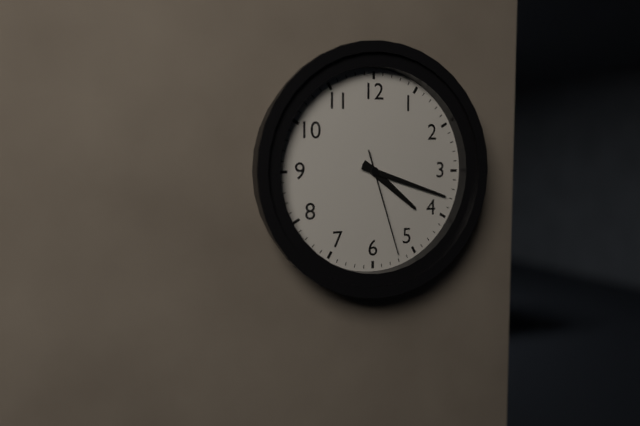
4 h 18 min 27 s
